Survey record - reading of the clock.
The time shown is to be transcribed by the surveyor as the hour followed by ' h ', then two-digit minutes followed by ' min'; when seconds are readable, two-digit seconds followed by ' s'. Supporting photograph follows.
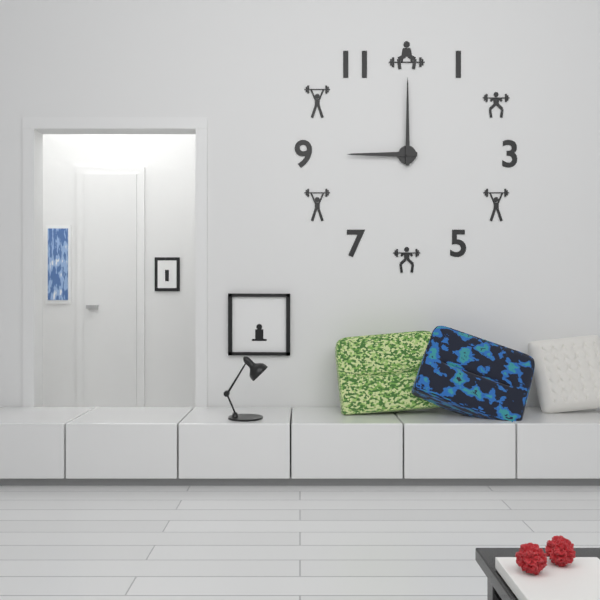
9 h 00 min
